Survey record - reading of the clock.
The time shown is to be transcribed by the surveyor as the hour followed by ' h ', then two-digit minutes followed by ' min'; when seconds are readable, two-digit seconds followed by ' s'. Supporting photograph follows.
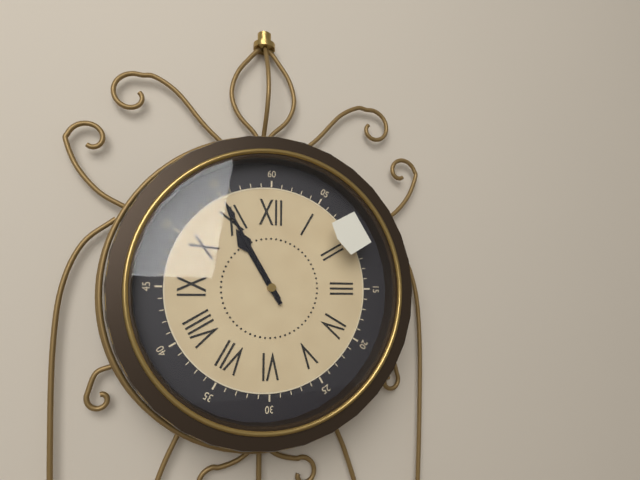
10 h 55 min
